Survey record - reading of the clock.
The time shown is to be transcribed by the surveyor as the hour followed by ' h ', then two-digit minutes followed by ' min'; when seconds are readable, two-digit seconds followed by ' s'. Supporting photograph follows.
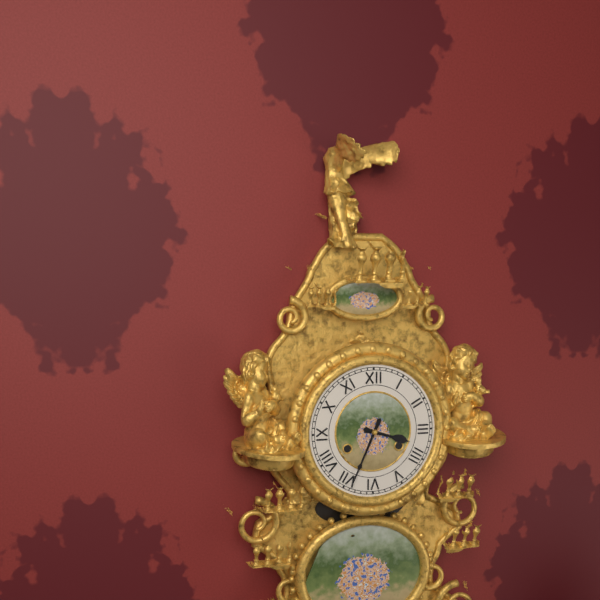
3 h 34 min
